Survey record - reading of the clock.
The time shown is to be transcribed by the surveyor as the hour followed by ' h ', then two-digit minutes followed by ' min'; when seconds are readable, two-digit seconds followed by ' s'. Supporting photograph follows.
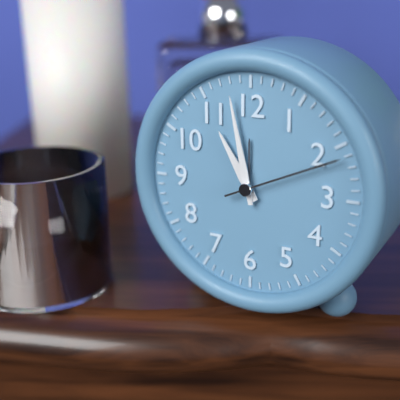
10 h 58 min 11 s
